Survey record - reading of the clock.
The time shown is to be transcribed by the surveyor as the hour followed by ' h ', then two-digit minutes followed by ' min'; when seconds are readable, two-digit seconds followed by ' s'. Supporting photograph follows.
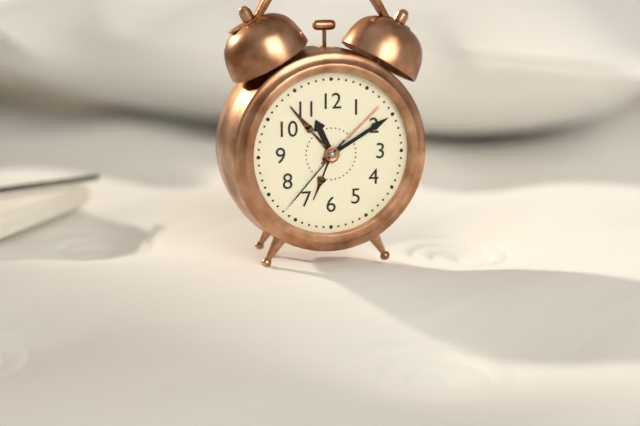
11 h 10 min 37 s
